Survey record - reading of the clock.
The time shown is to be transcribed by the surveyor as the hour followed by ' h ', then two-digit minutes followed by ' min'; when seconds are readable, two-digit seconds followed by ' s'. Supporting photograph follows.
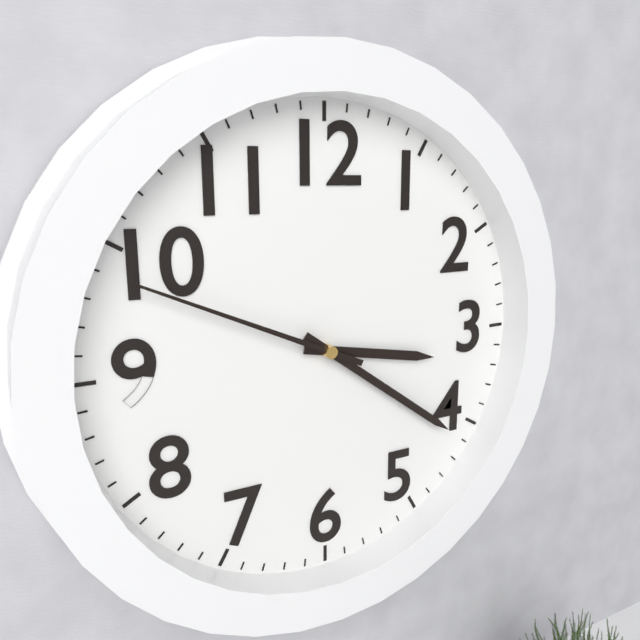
3 h 21 min 49 s
